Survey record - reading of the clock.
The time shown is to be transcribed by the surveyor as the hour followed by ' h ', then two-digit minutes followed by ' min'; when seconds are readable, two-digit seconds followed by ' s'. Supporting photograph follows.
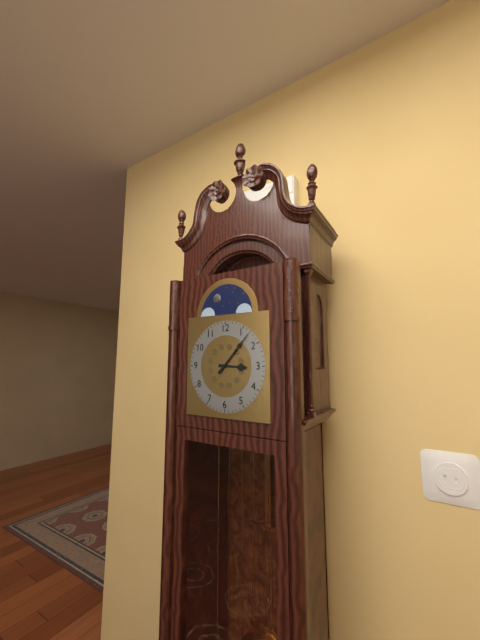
3 h 07 min
